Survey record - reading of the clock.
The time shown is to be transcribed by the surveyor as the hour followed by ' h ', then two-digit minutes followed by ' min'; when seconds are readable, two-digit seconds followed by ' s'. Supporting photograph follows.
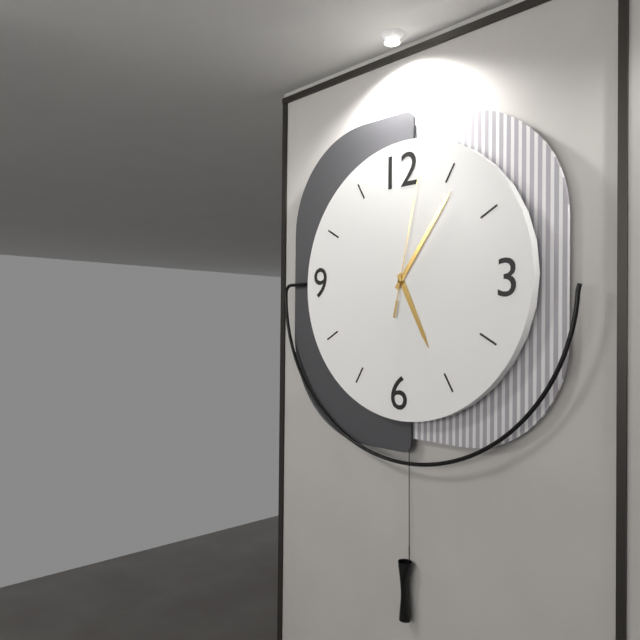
5 h 06 min 02 s
